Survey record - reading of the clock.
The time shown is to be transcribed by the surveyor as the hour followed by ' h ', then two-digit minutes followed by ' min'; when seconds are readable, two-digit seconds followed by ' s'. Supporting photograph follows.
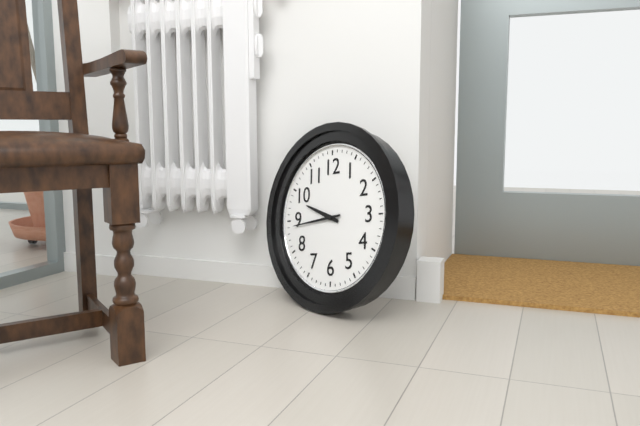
9 h 44 min
